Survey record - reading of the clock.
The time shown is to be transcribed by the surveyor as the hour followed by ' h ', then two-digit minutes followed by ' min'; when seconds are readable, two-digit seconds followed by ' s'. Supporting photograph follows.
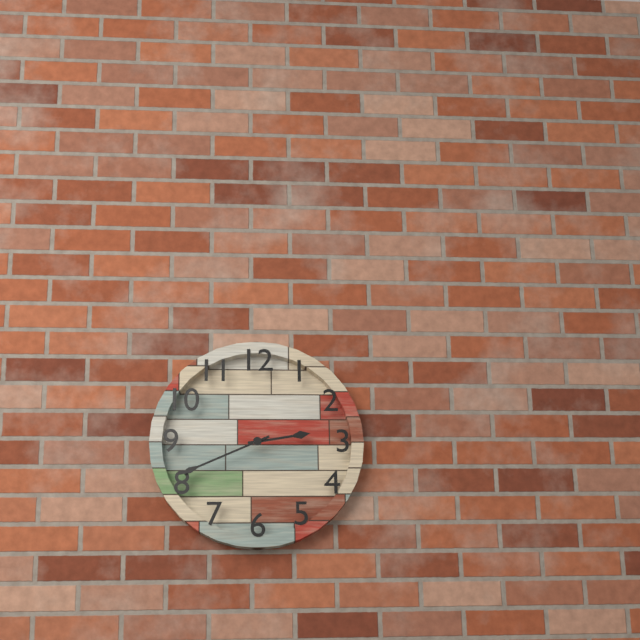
2 h 41 min
